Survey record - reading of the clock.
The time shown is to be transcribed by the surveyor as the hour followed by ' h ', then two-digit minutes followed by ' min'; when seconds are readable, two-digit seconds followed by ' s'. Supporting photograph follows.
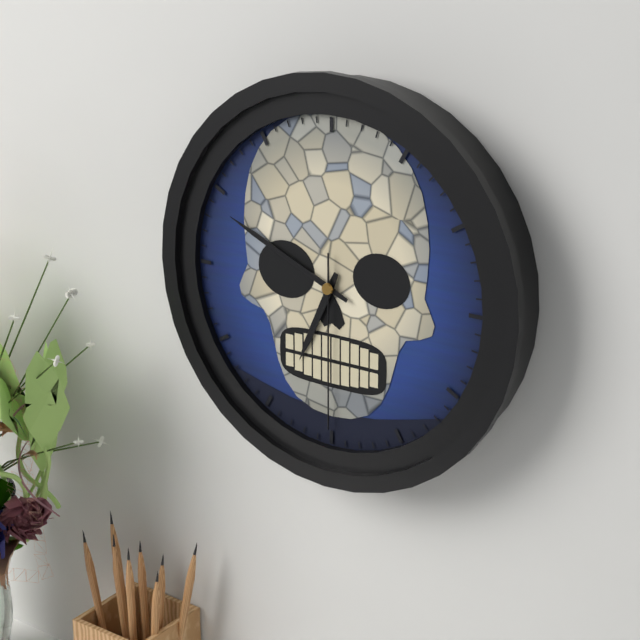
6 h 49 min 30 s
